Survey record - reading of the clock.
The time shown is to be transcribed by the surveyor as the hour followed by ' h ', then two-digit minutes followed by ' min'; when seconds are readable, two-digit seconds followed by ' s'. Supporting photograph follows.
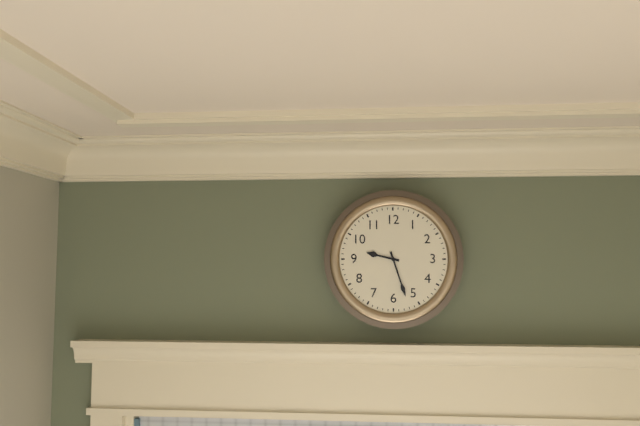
9 h 27 min
